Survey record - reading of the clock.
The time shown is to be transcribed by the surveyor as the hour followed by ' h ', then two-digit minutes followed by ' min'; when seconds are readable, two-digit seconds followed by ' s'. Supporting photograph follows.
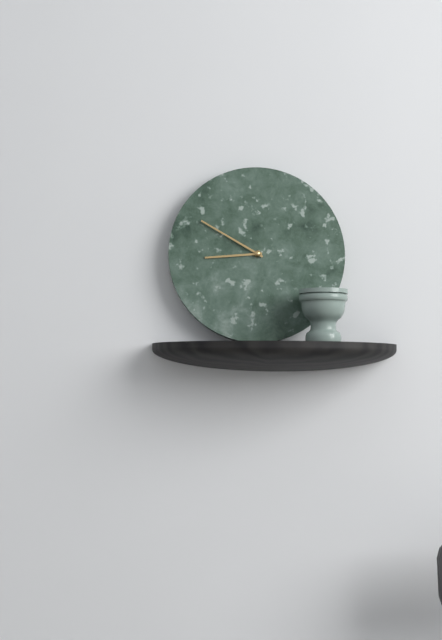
8 h 50 min
